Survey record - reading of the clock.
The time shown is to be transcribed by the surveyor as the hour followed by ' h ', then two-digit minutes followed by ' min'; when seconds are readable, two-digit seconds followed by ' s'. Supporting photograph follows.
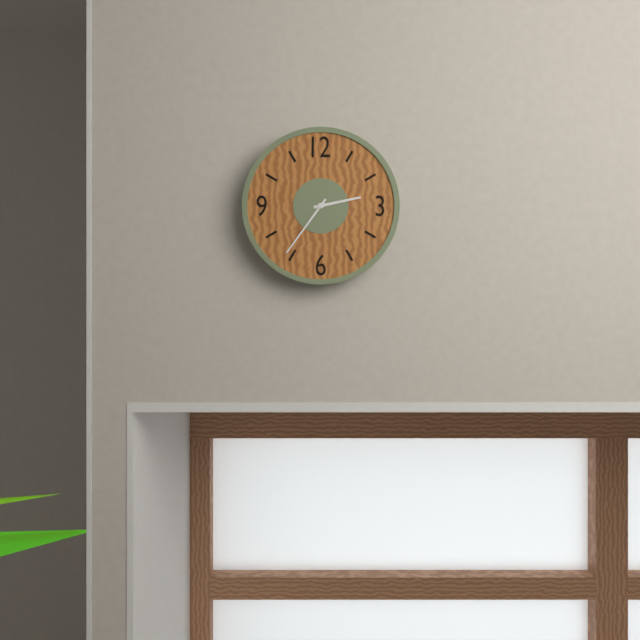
2 h 36 min
